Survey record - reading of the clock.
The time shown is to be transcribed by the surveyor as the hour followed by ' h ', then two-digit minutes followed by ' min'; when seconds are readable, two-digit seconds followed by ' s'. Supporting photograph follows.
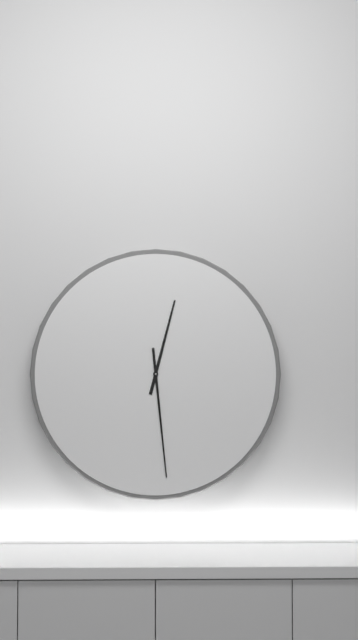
12 h 29 min
